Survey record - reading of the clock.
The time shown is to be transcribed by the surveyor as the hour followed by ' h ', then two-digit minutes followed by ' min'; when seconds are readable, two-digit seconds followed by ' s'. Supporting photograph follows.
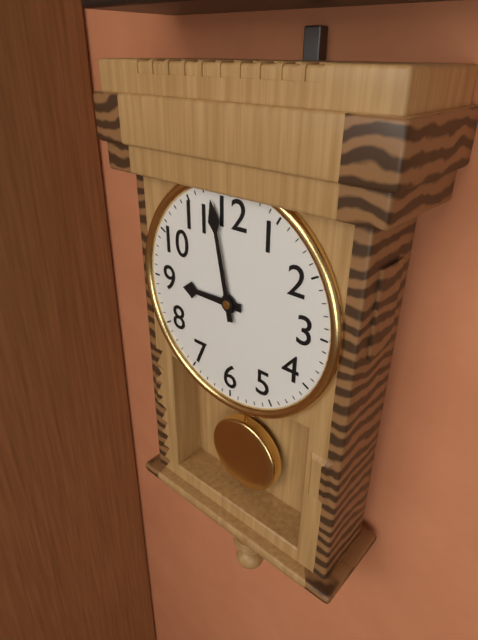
8 h 58 min
